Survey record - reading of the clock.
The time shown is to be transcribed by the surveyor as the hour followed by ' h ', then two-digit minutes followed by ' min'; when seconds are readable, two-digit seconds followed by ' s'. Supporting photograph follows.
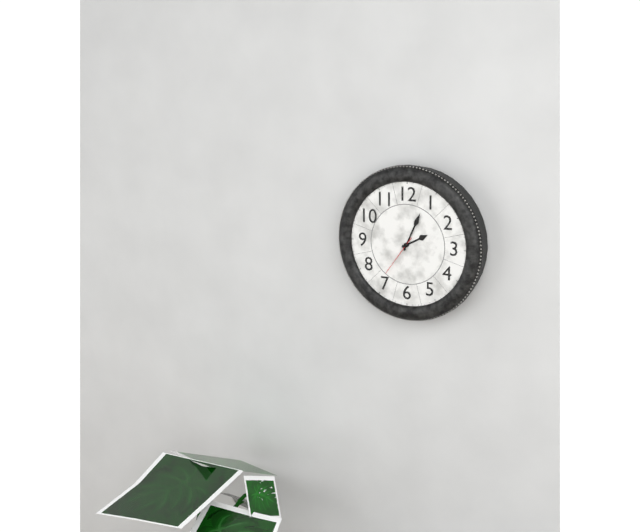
2 h 04 min
